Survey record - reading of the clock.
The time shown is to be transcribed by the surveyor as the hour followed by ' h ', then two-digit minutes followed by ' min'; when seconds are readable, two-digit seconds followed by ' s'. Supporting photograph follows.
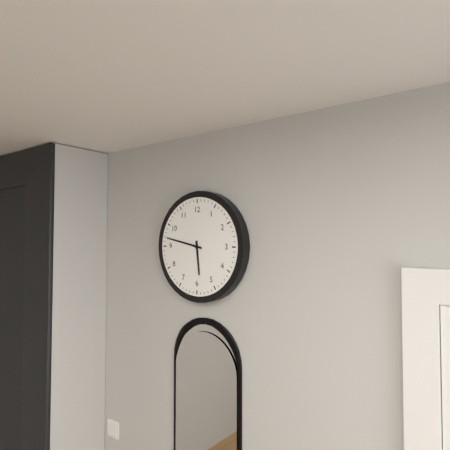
5 h 47 min
